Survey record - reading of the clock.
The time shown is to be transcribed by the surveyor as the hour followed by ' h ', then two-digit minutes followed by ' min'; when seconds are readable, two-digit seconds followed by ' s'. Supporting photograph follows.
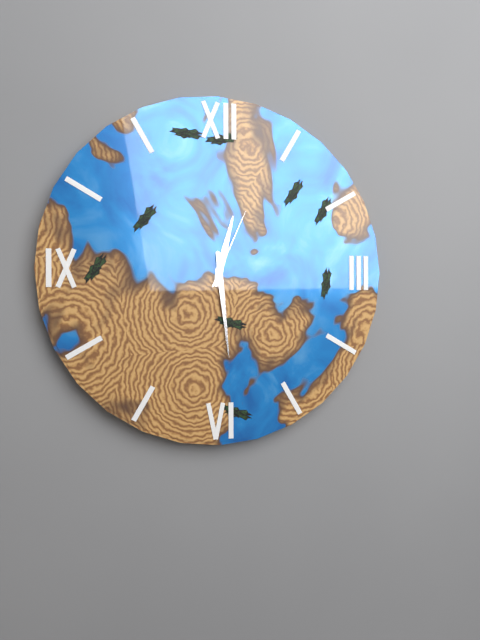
12 h 29 min 04 s
